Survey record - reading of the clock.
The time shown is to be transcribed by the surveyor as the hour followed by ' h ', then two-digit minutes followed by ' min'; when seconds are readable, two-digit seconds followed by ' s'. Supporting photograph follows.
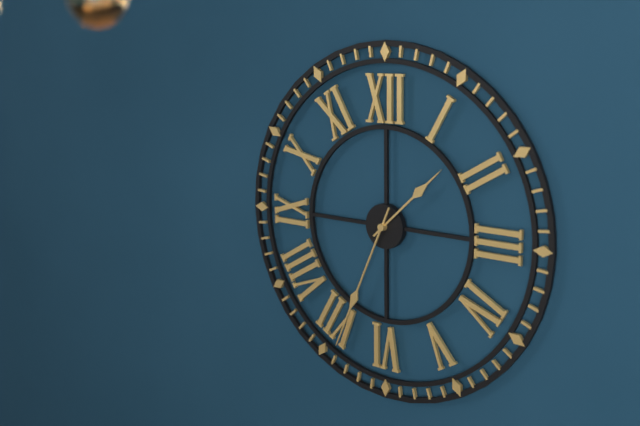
1 h 34 min
